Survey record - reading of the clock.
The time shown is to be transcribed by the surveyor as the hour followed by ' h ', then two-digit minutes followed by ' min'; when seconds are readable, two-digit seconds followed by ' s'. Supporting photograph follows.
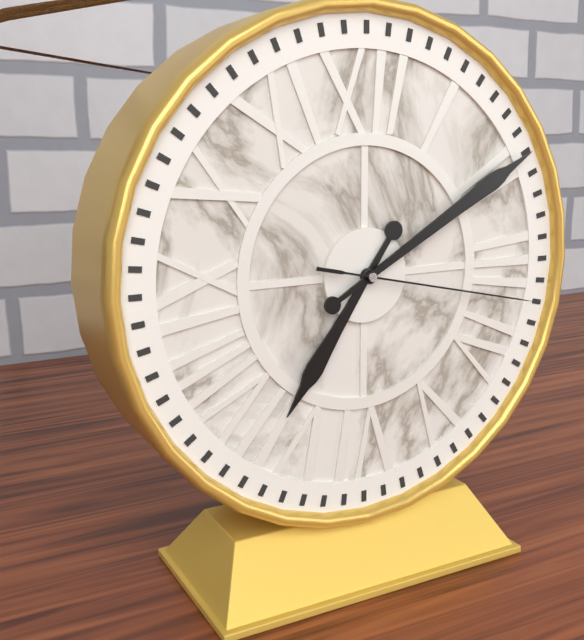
7 h 10 min 17 s
